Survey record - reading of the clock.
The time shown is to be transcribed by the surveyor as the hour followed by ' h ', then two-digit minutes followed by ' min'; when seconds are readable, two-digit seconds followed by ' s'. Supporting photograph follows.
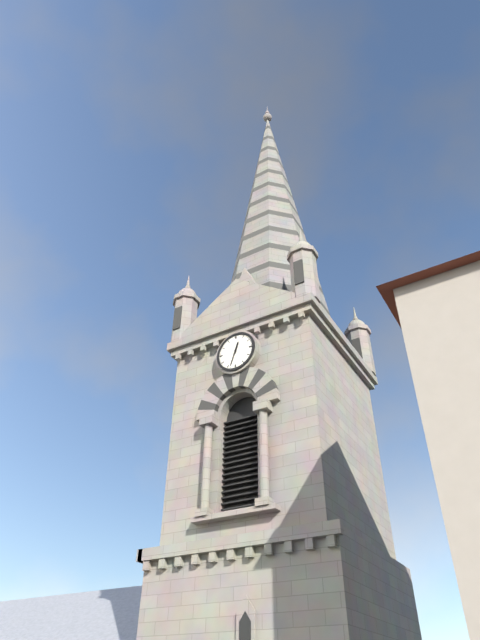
12 h 33 min
